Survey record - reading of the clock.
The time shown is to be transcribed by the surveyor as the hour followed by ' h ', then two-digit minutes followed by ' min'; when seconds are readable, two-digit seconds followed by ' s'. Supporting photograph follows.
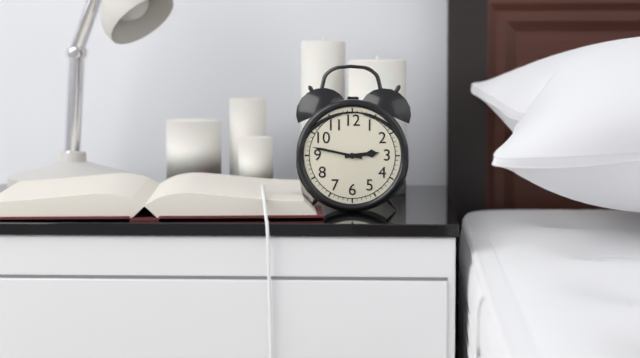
2 h 47 min
